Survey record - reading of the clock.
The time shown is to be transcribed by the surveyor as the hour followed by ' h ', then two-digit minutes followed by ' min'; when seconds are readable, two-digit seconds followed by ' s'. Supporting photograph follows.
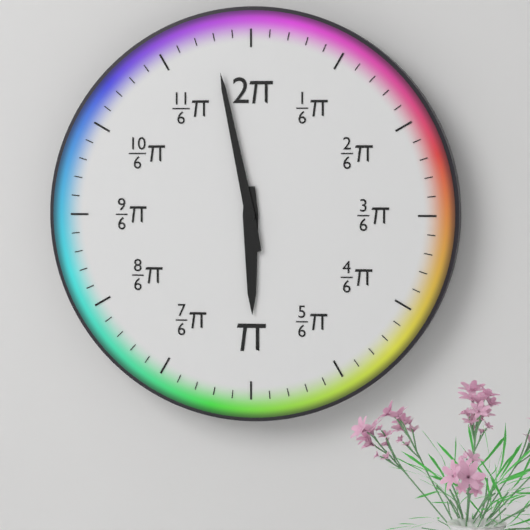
5 h 58 min
